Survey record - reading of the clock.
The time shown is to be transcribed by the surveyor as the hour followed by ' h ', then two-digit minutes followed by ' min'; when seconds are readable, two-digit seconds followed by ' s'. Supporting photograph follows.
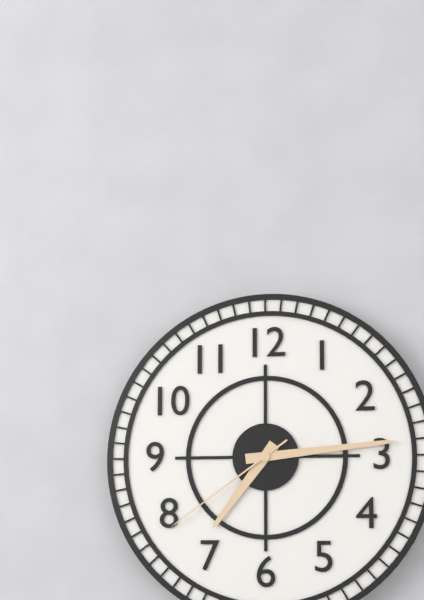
7 h 14 min 39 s
